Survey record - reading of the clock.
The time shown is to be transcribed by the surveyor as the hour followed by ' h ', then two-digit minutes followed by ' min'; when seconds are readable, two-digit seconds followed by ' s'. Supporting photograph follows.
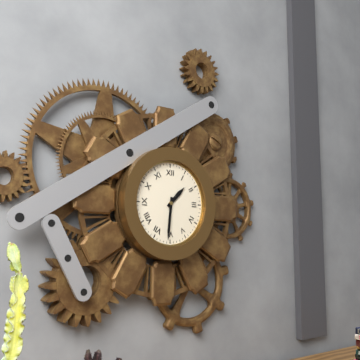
1 h 31 min
